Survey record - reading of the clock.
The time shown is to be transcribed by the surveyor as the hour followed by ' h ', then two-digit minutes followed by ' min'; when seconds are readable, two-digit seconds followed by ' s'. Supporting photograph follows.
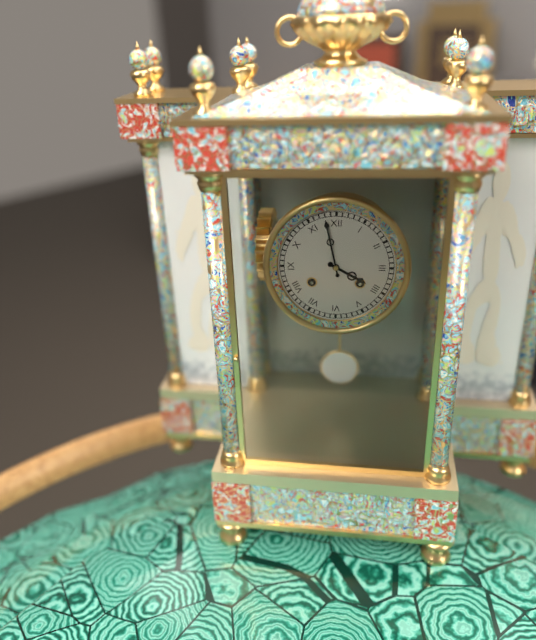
3 h 58 min
